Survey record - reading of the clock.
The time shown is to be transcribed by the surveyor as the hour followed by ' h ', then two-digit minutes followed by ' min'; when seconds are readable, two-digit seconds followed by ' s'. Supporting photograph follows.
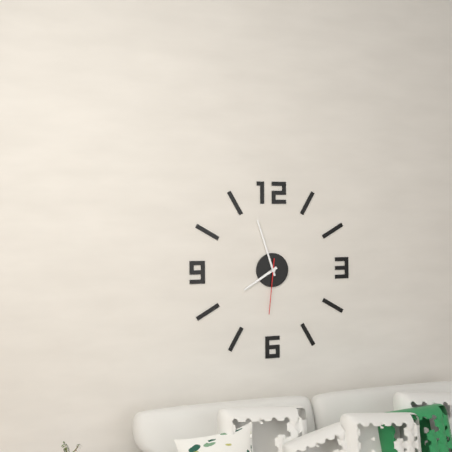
7 h 57 min 31 s
